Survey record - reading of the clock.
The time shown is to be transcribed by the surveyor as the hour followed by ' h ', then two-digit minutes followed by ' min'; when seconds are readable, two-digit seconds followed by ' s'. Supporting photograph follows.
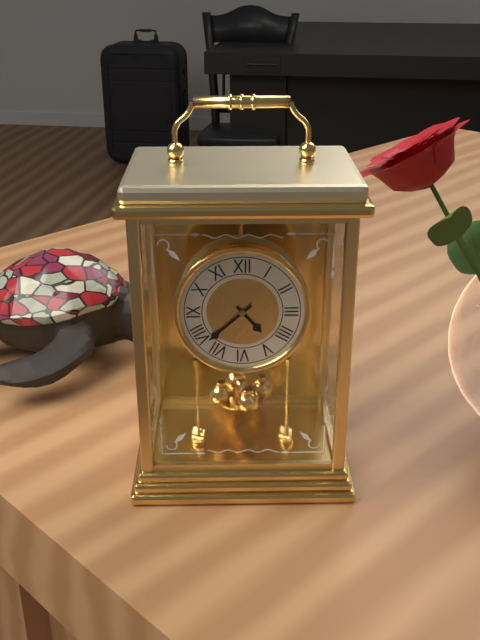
4 h 38 min
